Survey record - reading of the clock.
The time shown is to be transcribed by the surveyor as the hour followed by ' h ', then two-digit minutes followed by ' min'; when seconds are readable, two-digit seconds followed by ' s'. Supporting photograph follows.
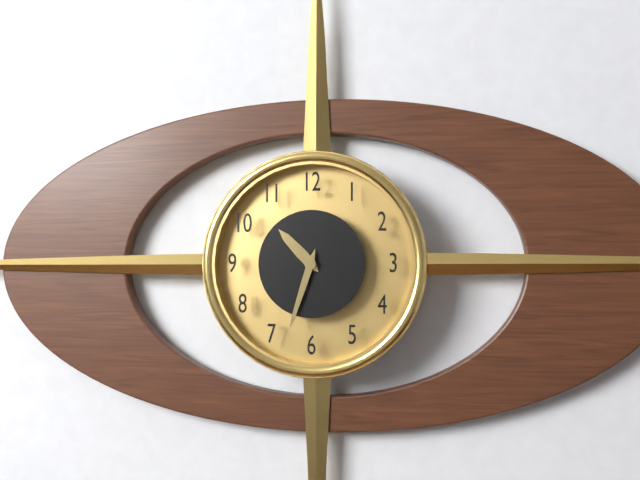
10 h 33 min
